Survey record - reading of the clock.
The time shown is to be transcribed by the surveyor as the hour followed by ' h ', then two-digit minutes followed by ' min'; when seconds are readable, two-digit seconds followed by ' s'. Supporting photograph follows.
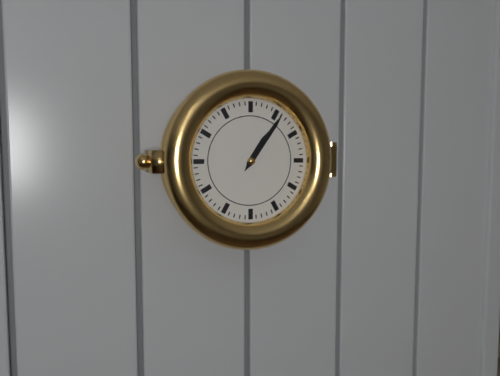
1 h 06 min
